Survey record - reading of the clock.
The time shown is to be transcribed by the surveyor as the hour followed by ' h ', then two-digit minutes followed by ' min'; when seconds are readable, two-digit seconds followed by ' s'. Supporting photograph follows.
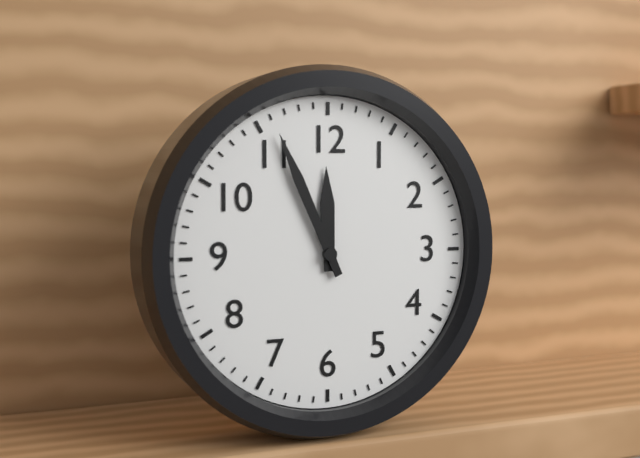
11 h 56 min
